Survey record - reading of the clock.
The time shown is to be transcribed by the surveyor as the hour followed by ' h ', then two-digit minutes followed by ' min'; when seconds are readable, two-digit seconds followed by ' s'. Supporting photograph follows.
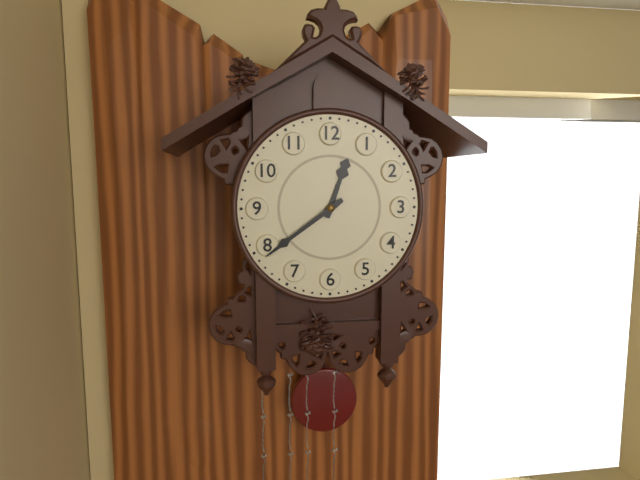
12 h 39 min
